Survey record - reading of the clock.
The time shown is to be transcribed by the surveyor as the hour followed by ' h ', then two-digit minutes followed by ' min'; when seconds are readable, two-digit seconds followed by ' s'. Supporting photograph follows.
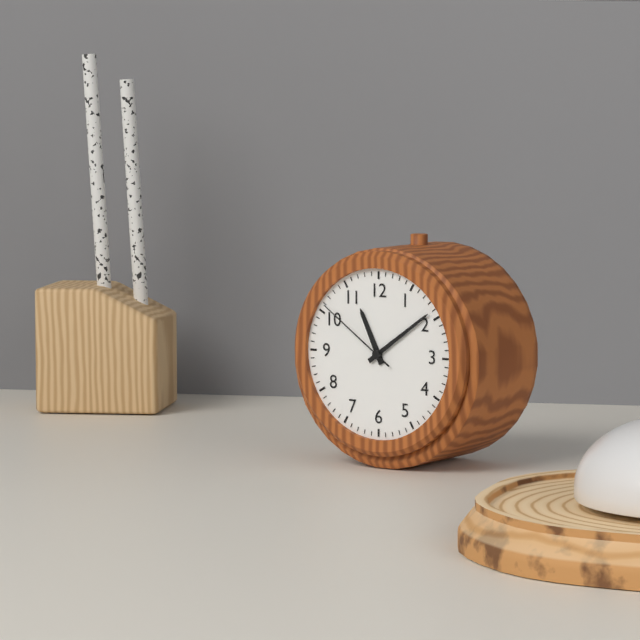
11 h 09 min 51 s
